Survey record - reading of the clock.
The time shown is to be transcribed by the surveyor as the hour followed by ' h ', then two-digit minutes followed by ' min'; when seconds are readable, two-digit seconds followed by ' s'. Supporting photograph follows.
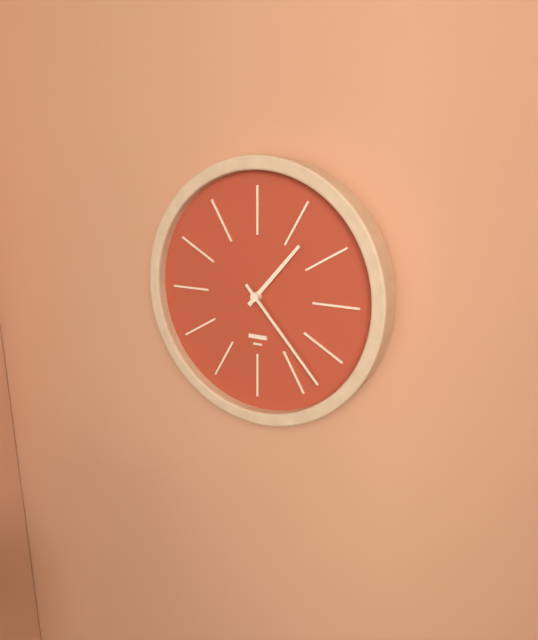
1 h 23 min
